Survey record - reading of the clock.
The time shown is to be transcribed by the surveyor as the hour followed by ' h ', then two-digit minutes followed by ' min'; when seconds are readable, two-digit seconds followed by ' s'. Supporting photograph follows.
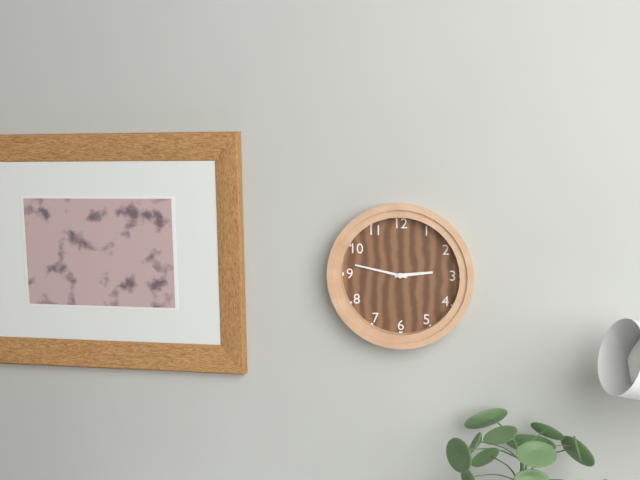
2 h 47 min
